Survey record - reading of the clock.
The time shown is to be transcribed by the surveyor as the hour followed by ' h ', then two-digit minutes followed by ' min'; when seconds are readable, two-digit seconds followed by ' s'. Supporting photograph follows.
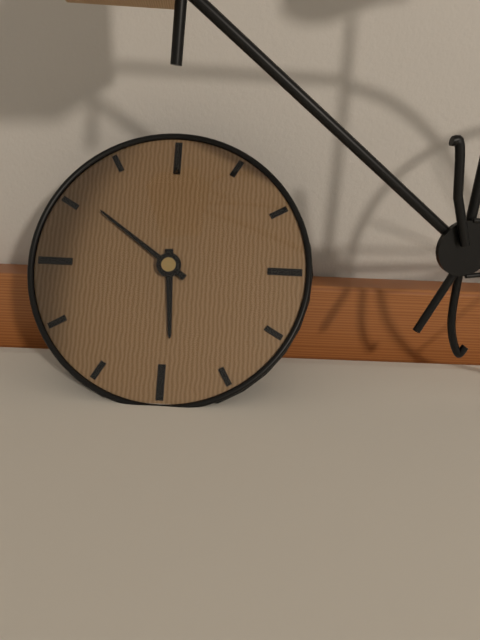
5 h 51 min
